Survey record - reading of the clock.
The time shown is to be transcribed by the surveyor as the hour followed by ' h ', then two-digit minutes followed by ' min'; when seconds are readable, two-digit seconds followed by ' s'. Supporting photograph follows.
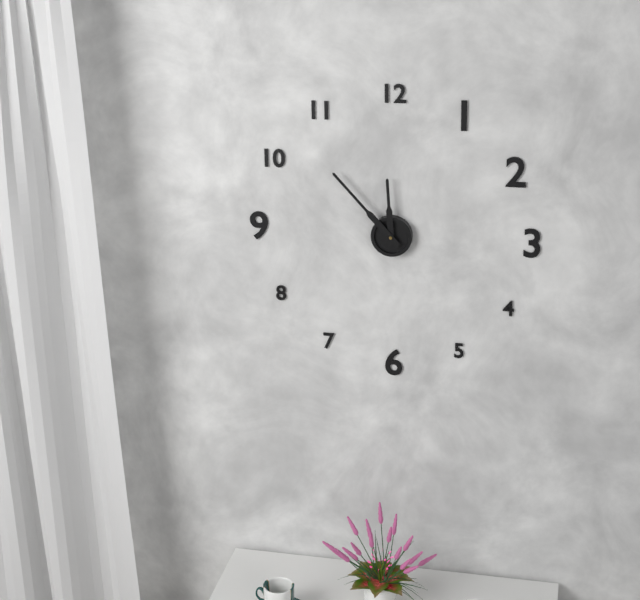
11 h 53 min
